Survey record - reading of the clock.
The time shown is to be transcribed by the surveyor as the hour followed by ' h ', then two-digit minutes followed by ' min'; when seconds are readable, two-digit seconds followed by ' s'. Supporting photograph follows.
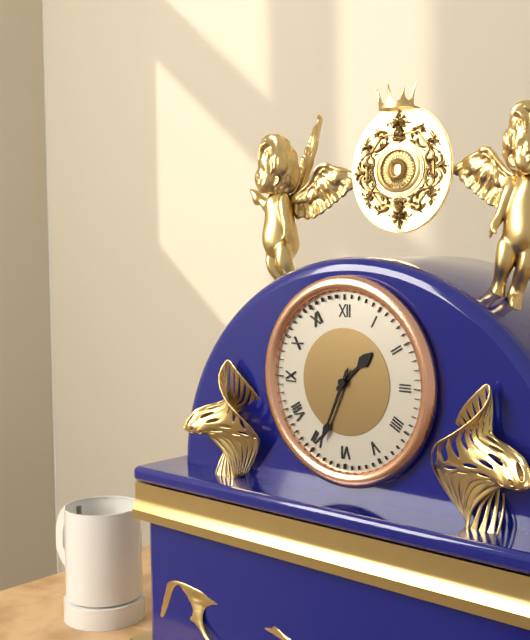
1 h 34 min
